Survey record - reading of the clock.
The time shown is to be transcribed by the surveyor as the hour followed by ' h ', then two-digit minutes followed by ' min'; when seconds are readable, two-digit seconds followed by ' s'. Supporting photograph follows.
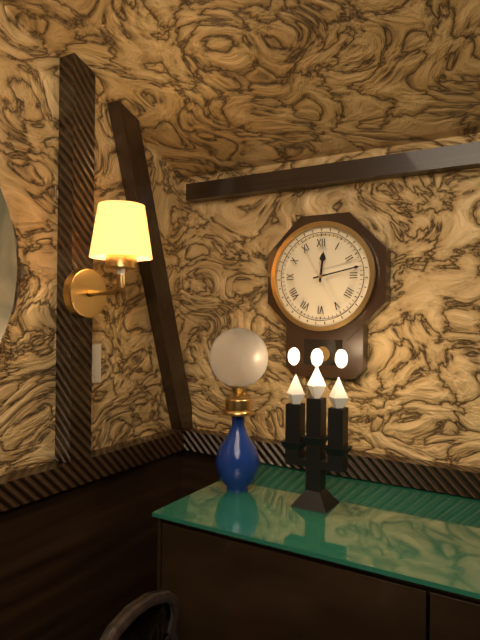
12 h 13 min
